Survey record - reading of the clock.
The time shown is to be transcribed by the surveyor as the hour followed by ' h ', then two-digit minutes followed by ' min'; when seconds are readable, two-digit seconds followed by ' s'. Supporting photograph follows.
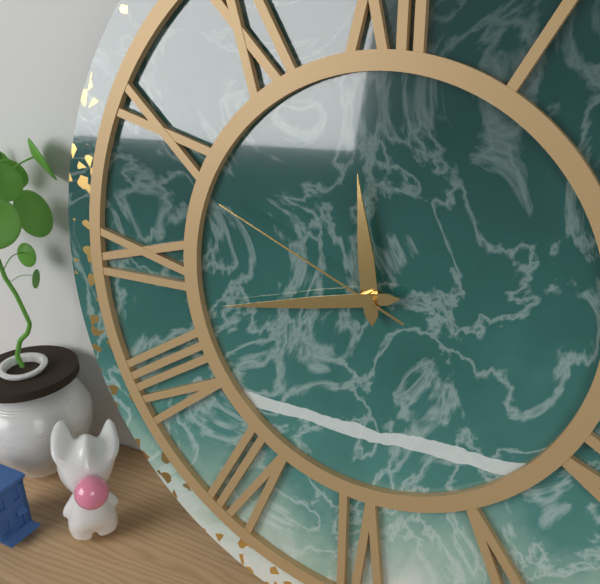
11 h 43 min 49 s
